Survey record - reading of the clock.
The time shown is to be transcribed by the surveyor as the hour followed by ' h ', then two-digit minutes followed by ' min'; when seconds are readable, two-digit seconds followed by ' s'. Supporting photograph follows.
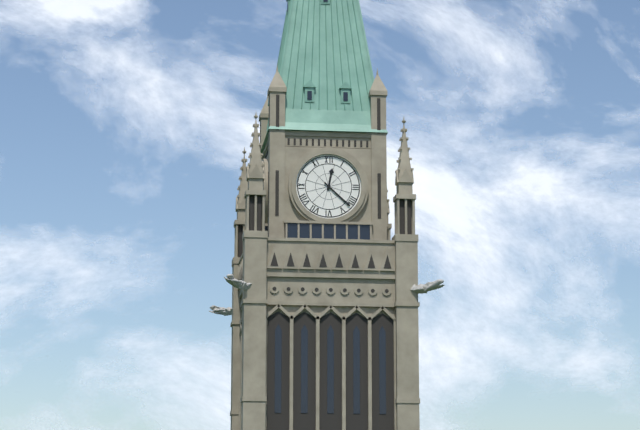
12 h 22 min
